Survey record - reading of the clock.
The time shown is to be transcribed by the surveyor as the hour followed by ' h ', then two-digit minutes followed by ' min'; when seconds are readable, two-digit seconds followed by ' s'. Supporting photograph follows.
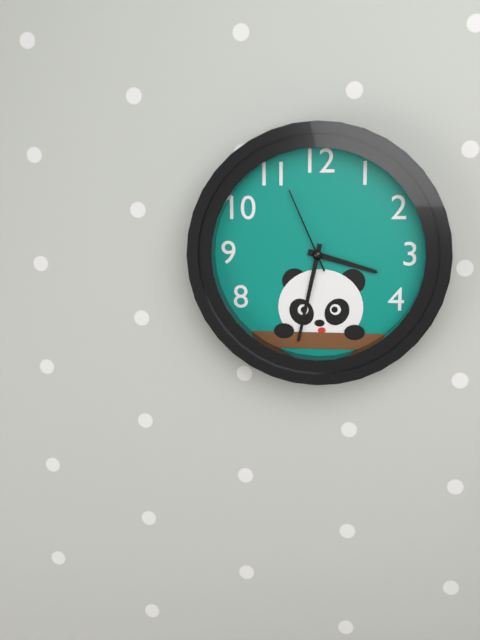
3 h 32 min 56 s
